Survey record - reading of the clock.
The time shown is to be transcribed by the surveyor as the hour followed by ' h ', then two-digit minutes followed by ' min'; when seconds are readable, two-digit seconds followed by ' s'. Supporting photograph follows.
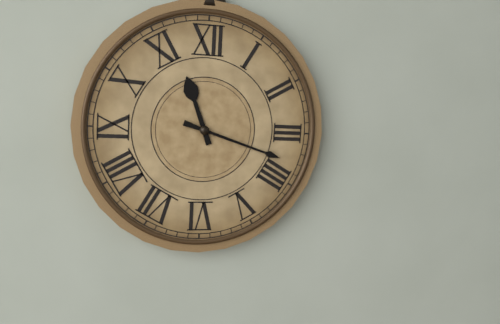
11 h 18 min
